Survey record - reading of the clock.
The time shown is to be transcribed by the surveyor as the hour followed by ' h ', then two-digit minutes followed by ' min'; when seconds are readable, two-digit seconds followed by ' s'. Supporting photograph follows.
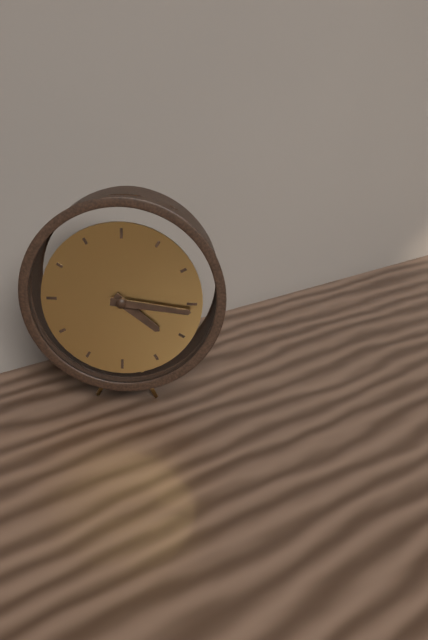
4 h 16 min
